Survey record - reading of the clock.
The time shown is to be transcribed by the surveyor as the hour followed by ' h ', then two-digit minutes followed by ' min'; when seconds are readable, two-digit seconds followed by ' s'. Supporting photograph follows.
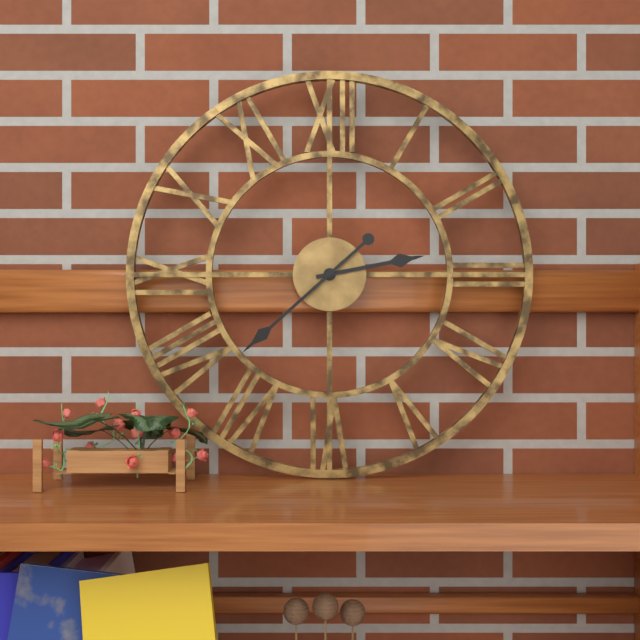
2 h 38 min
